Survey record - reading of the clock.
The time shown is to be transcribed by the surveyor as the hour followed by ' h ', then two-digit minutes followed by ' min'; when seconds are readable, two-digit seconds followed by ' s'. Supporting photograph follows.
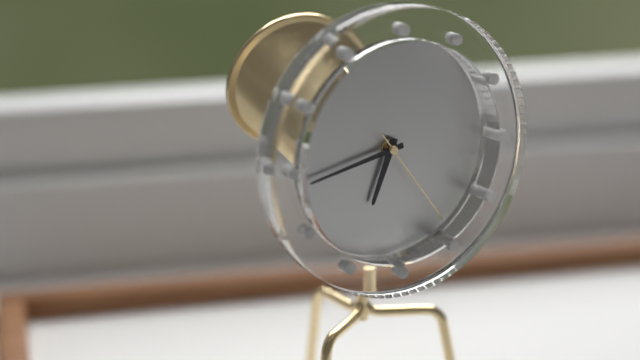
6 h 43 min 24 s
